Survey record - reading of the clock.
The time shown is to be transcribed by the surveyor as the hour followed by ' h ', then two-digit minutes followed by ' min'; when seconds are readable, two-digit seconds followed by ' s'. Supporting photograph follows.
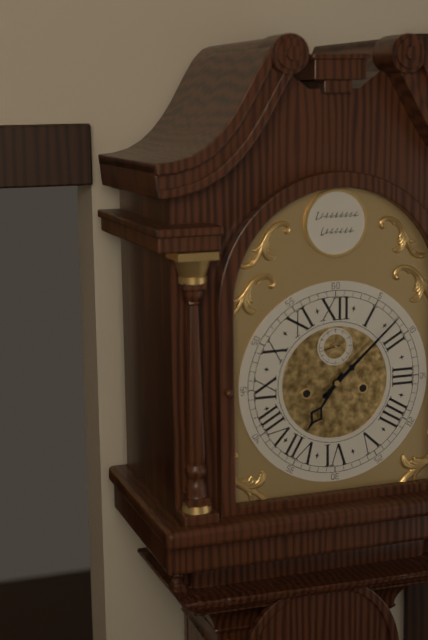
7 h 08 min
